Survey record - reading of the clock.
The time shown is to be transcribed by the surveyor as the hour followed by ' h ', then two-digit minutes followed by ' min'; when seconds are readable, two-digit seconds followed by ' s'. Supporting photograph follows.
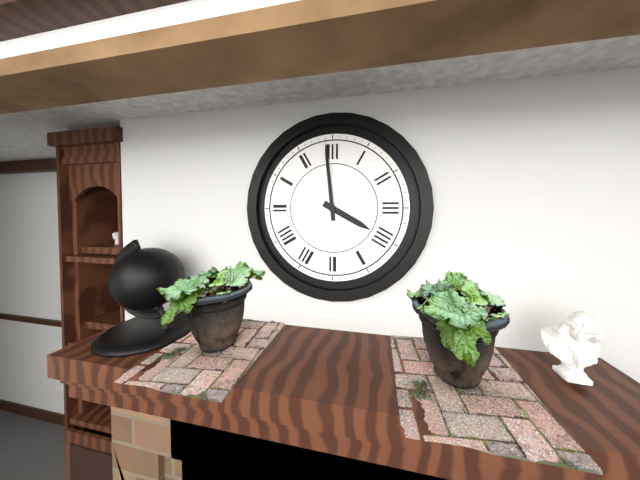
3 h 59 min
